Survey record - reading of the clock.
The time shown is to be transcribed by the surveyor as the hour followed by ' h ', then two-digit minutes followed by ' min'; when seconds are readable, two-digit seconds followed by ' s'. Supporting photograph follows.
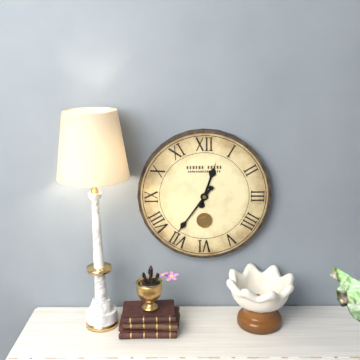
12 h 36 min
